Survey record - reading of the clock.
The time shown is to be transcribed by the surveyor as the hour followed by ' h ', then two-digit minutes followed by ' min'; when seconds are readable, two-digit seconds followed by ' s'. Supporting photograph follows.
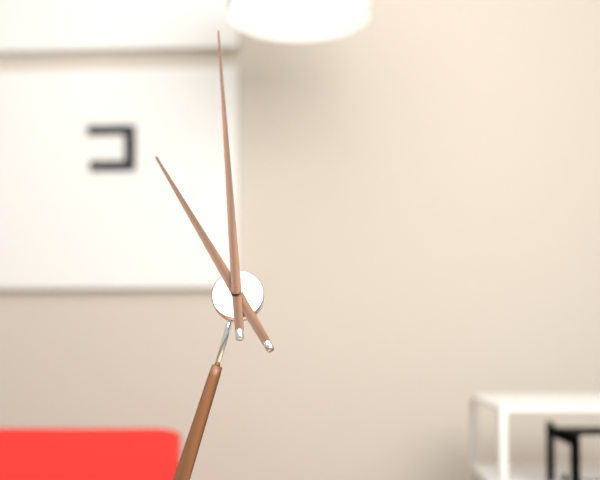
10 h 59 min
